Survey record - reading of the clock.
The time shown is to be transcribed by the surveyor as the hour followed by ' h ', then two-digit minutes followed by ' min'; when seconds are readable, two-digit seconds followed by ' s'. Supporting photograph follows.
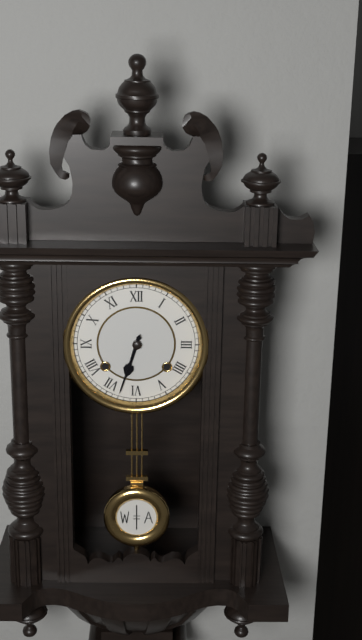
6 h 33 min
